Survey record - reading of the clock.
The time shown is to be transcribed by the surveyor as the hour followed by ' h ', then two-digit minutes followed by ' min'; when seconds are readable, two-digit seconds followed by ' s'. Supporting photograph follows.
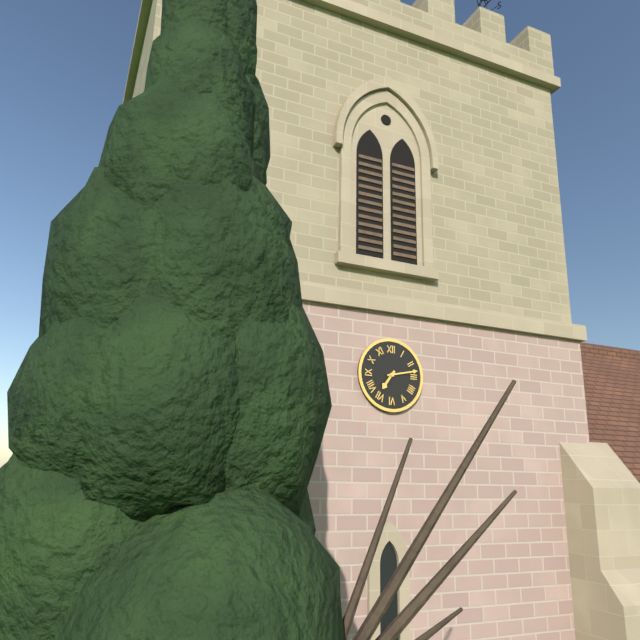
7 h 13 min
